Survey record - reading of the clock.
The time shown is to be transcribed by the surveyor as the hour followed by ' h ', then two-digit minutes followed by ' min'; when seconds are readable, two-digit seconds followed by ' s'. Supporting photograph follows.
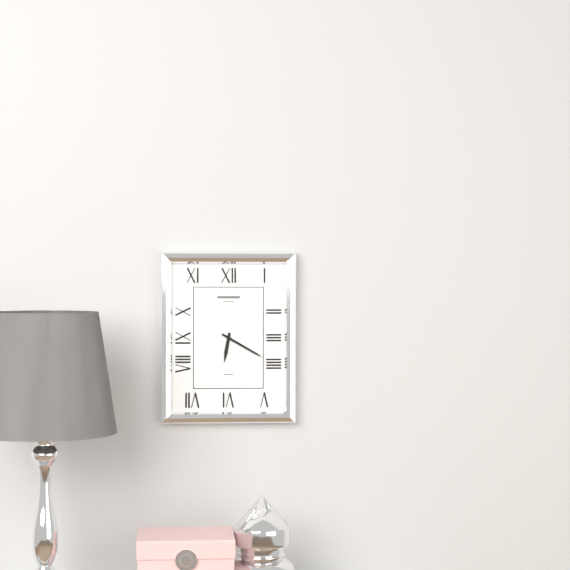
6 h 20 min
